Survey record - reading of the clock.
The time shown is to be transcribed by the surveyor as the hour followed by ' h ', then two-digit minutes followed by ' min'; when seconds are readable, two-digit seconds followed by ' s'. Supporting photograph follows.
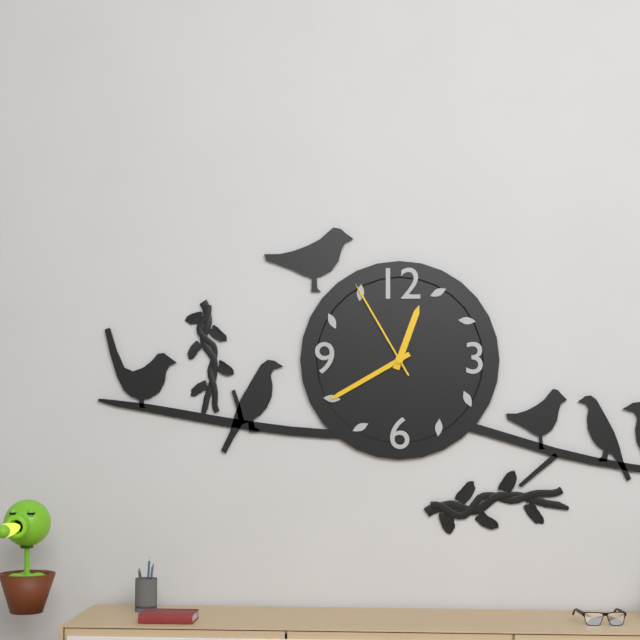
12 h 40 min 55 s
